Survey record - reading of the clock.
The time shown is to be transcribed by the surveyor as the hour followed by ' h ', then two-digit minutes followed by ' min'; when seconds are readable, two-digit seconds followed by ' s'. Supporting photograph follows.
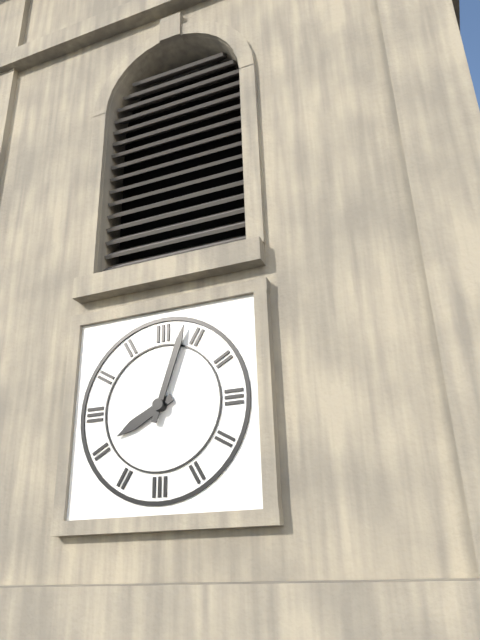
8 h 03 min
